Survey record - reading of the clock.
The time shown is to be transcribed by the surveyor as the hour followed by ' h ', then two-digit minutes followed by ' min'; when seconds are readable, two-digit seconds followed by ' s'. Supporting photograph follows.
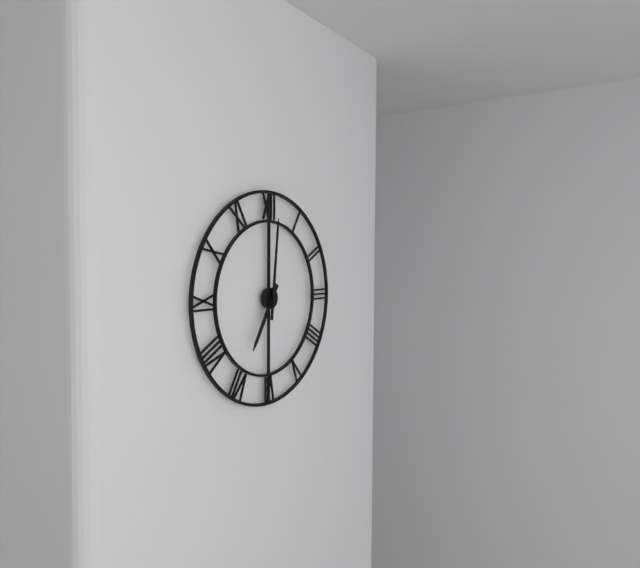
7 h 01 min
